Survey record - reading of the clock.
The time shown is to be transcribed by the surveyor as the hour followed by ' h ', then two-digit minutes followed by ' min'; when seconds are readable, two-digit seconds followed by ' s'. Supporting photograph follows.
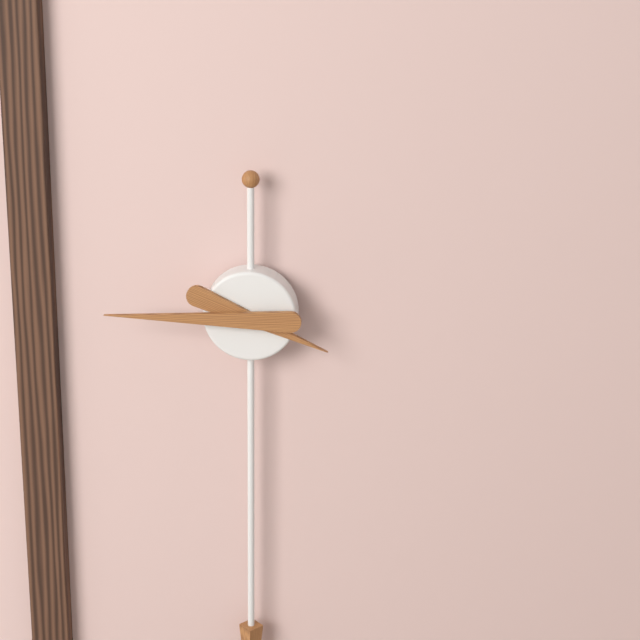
3 h 45 min
